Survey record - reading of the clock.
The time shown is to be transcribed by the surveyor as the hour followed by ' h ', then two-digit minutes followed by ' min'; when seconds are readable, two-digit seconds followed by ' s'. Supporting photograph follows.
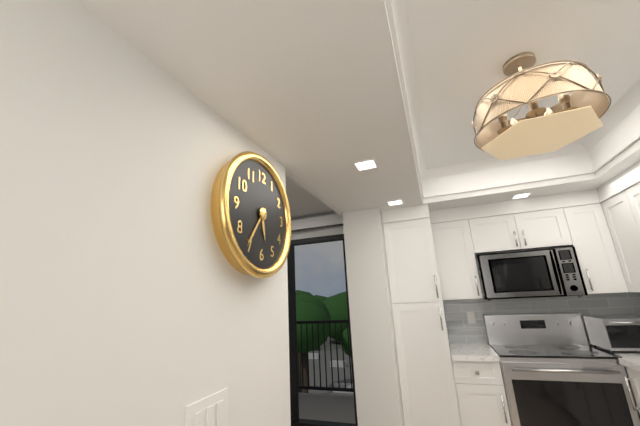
5 h 36 min
